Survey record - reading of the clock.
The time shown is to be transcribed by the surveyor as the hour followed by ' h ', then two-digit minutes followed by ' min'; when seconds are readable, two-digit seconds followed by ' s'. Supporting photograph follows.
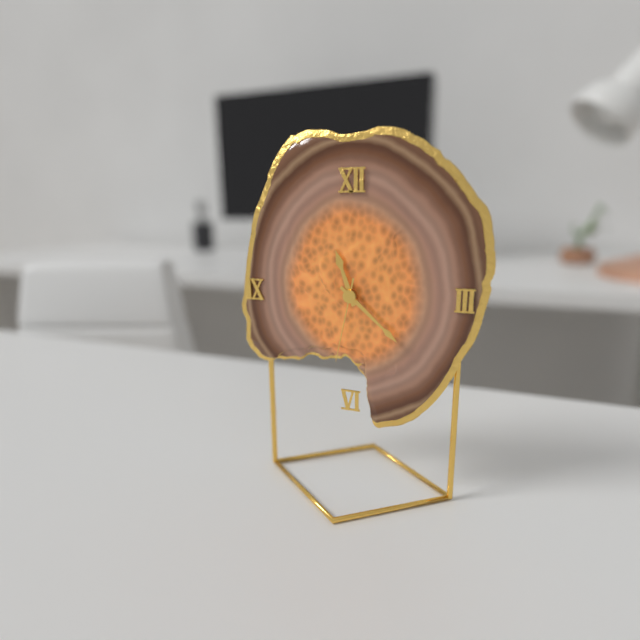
11 h 22 min 32 s
